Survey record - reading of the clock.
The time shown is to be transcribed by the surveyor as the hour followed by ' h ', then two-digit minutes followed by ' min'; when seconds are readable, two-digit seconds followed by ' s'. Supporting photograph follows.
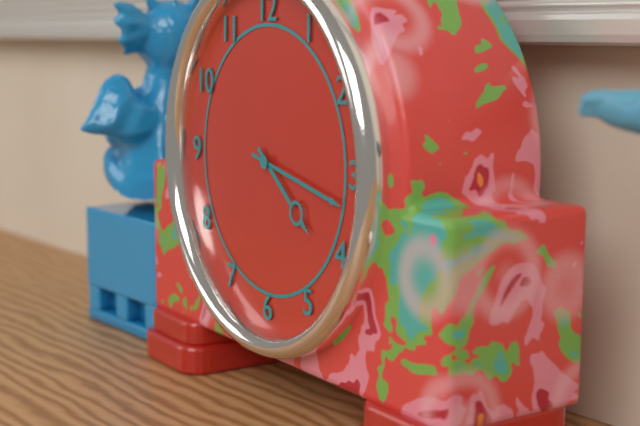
4 h 17 min
